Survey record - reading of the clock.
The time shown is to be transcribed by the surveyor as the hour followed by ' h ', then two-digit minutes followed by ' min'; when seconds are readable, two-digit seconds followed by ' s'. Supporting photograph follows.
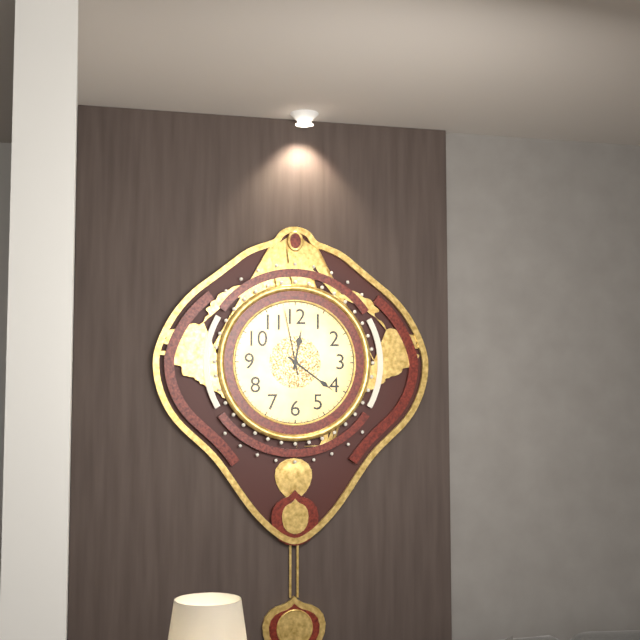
12 h 21 min 58 s
